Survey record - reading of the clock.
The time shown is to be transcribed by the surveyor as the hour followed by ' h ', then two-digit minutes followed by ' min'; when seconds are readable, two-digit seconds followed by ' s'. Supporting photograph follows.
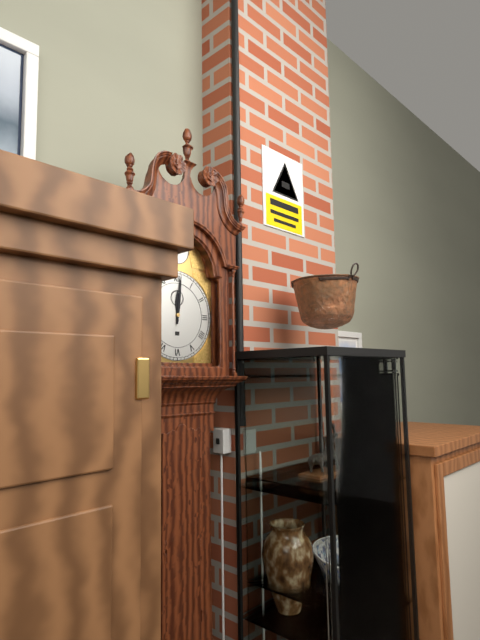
12 h 01 min
